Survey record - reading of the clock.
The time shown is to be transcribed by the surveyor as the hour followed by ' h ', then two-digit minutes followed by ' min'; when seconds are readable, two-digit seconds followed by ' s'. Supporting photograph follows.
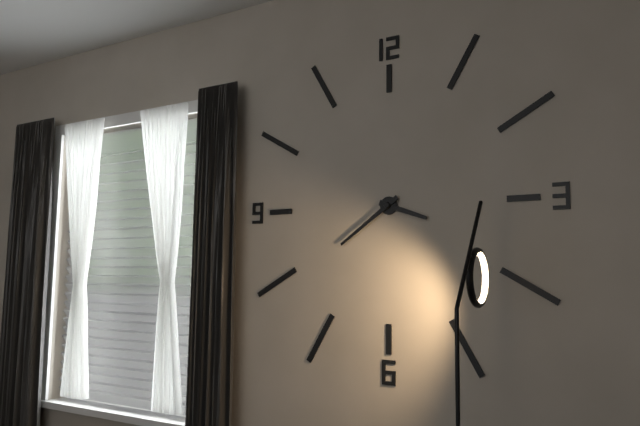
3 h 39 min
